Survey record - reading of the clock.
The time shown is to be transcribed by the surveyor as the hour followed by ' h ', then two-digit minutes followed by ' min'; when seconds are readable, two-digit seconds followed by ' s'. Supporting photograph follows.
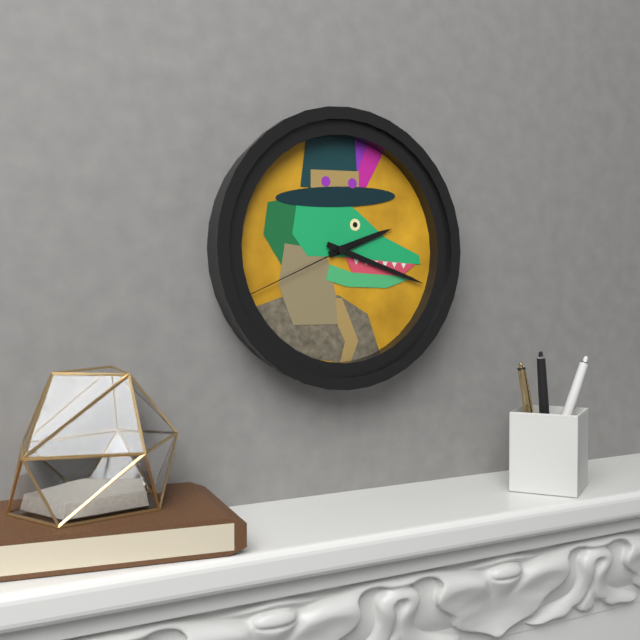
2 h 18 min 41 s
